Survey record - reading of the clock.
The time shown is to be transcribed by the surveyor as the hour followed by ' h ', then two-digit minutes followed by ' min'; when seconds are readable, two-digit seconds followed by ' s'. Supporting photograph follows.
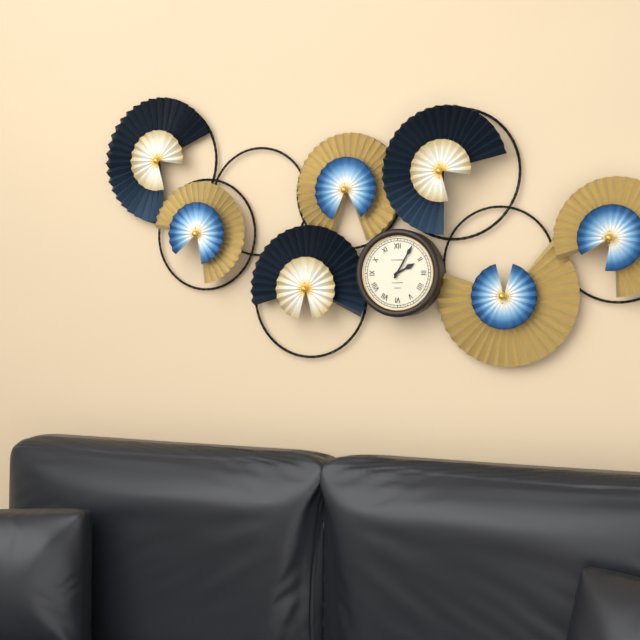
2 h 05 min
